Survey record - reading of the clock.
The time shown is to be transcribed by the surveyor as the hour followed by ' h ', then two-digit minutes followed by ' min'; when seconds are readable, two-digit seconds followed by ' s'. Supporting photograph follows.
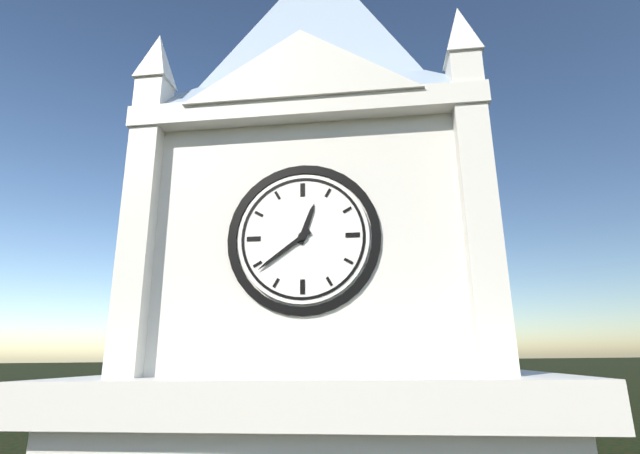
12 h 39 min
